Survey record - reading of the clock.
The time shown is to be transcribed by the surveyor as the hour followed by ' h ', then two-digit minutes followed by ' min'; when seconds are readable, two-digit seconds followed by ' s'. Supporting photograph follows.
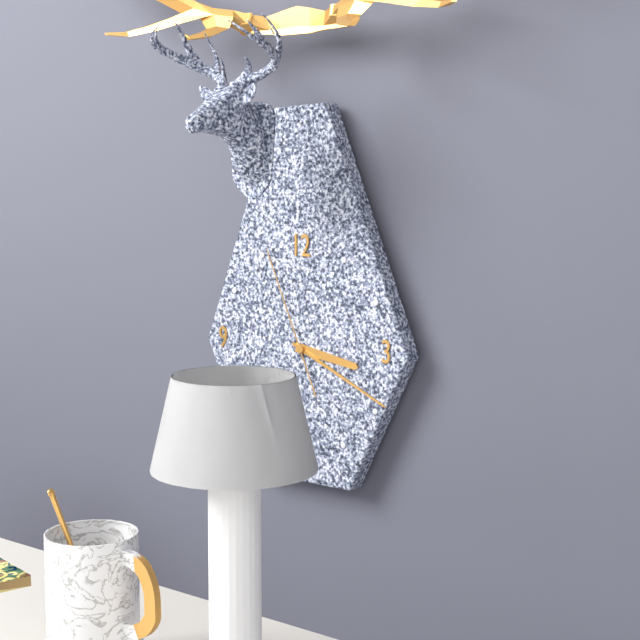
3 h 19 min 56 s
